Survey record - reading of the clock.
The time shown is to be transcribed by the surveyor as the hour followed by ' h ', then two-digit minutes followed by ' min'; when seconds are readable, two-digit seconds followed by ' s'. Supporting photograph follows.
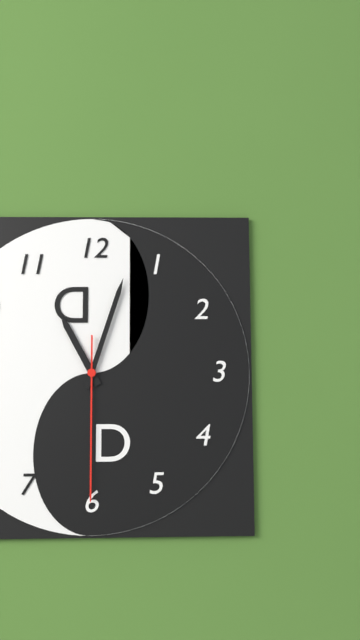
11 h 03 min 30 s
